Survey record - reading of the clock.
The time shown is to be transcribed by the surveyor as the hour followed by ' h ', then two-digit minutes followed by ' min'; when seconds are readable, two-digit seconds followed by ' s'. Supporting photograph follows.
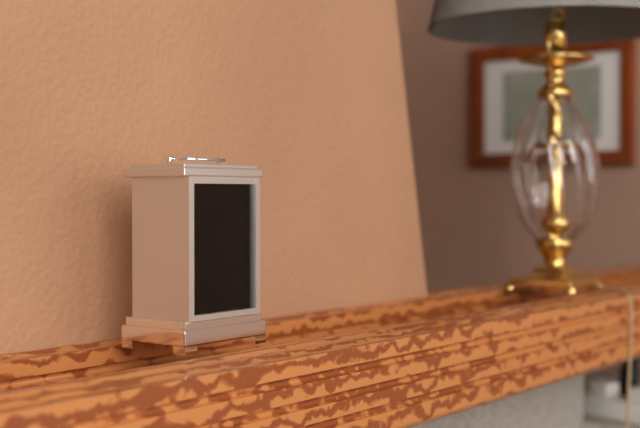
11 h 34 min
